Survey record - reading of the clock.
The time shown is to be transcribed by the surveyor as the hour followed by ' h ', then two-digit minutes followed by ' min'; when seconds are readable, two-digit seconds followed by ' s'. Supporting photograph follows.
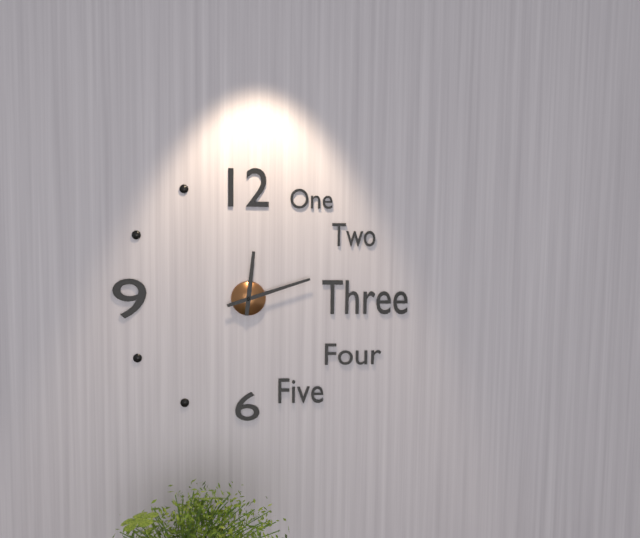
12 h 12 min
